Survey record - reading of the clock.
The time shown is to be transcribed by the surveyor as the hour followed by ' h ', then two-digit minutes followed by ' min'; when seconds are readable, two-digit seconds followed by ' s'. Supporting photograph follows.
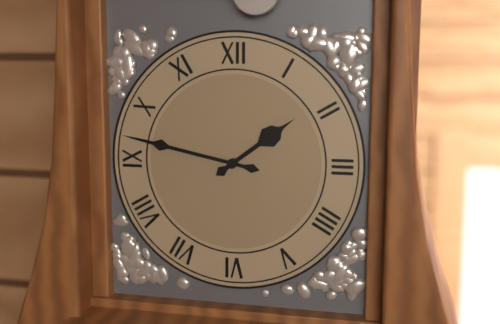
1 h 47 min
